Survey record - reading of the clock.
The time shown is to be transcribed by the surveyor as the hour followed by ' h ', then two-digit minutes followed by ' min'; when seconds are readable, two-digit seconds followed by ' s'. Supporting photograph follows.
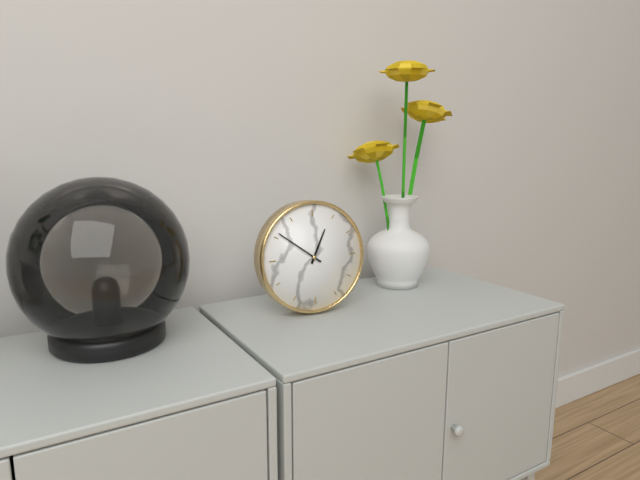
12 h 51 min
